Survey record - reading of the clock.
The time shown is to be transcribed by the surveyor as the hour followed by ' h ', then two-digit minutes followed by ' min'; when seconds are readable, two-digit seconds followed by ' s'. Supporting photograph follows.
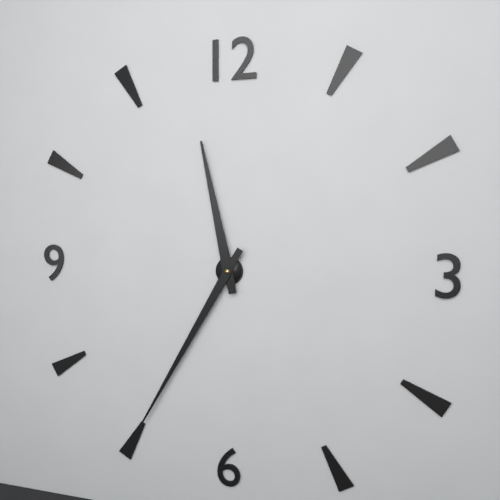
11 h 35 min
